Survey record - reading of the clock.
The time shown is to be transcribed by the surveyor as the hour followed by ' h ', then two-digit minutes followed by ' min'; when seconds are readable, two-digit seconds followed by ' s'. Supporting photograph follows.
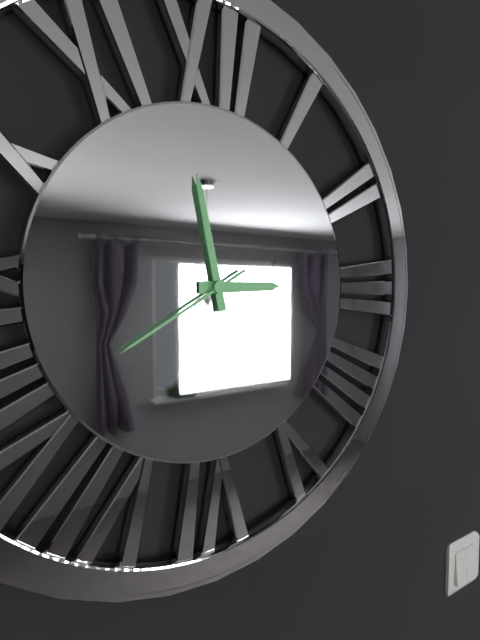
2 h 58 min 40 s
